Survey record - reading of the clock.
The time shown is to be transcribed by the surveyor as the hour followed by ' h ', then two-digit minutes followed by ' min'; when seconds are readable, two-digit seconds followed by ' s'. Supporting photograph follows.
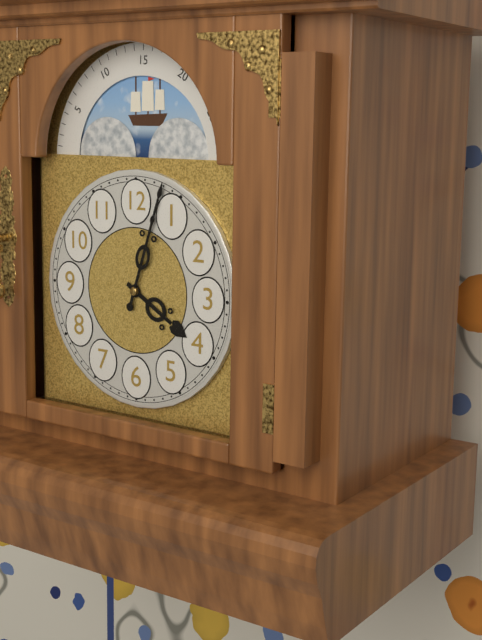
4 h 03 min
